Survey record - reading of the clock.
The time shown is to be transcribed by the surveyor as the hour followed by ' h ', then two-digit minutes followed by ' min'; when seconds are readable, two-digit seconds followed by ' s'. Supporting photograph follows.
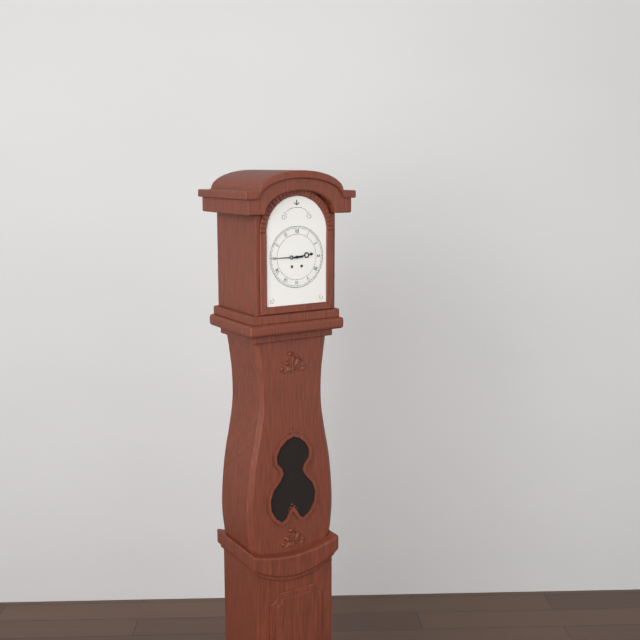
2 h 45 min
